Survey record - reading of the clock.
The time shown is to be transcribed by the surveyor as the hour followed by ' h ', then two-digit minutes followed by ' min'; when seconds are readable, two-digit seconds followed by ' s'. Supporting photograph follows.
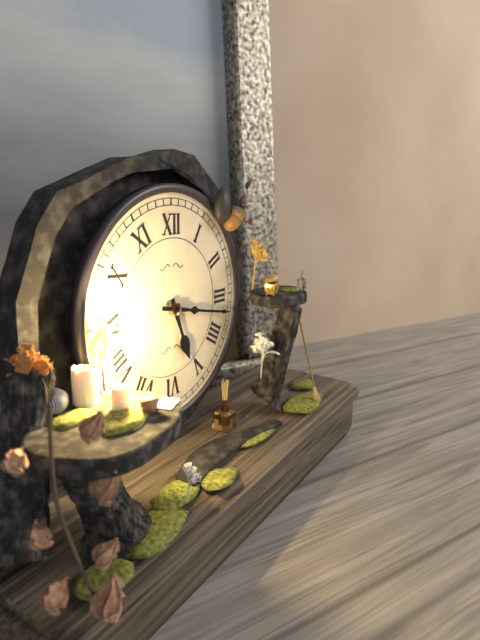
5 h 17 min
